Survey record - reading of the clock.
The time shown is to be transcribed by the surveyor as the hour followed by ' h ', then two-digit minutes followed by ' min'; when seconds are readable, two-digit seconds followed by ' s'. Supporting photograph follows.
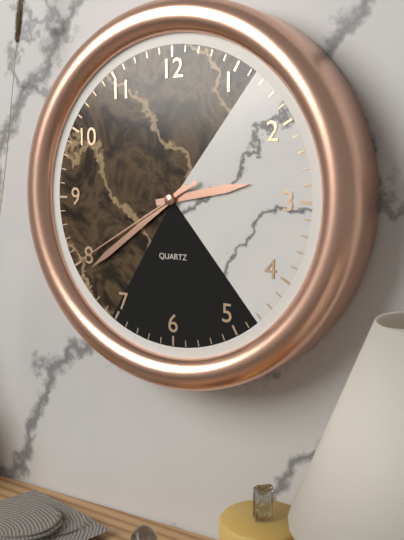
2 h 39 min 40 s
